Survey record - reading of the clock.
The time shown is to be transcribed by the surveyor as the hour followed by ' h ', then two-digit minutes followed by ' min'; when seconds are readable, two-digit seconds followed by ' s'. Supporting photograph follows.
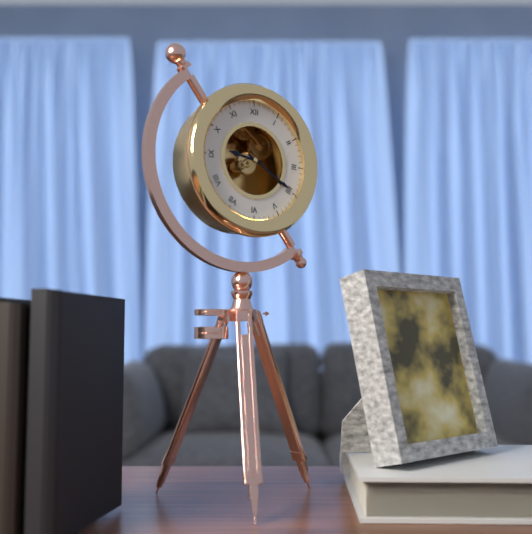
9 h 20 min
